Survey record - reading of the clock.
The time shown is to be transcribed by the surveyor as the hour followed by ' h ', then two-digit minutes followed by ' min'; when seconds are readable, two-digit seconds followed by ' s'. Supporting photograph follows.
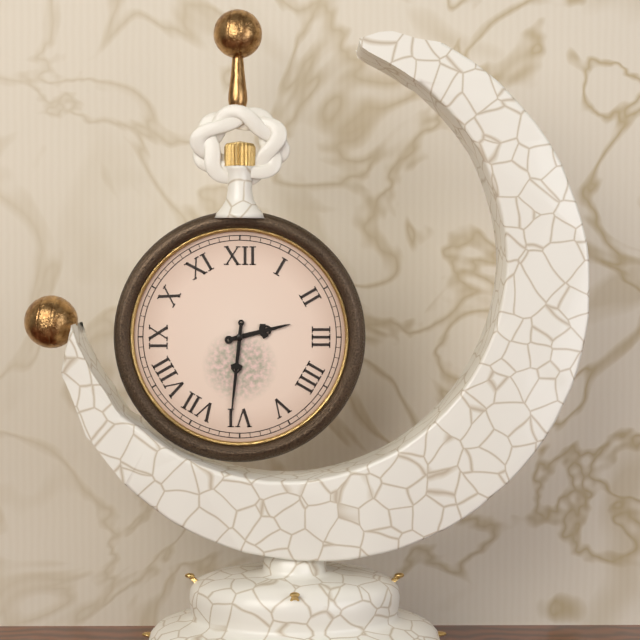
2 h 31 min
